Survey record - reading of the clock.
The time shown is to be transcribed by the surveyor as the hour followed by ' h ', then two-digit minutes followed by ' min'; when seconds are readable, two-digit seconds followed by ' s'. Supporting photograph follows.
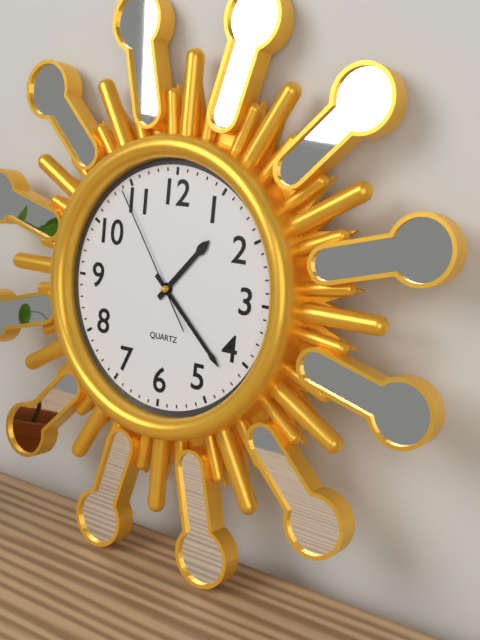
1 h 22 min 54 s
